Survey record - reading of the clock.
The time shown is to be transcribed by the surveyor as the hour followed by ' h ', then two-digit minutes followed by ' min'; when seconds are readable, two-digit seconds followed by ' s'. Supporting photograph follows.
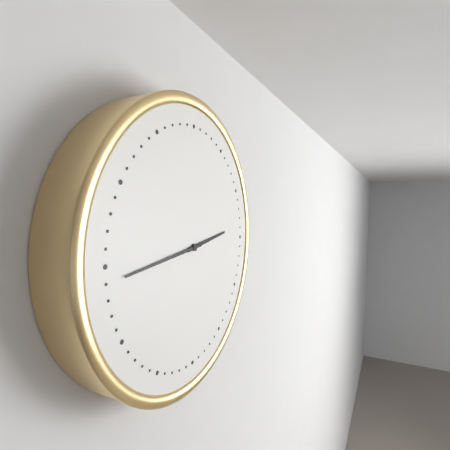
2 h 44 min
